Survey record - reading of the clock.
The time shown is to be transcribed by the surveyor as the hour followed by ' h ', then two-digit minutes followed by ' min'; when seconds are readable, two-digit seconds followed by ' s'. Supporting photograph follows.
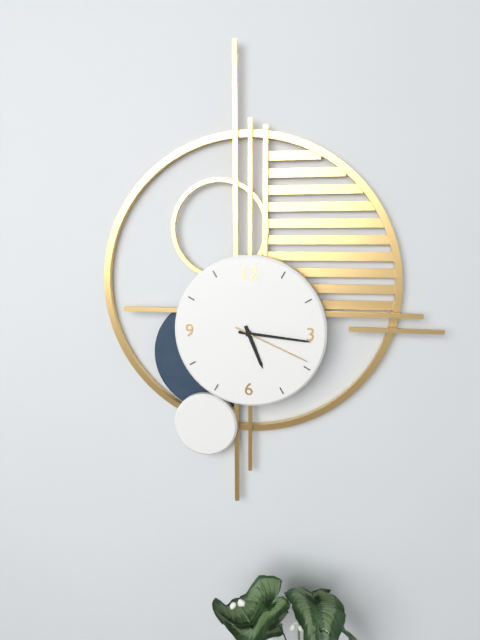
5 h 16 min 19 s
